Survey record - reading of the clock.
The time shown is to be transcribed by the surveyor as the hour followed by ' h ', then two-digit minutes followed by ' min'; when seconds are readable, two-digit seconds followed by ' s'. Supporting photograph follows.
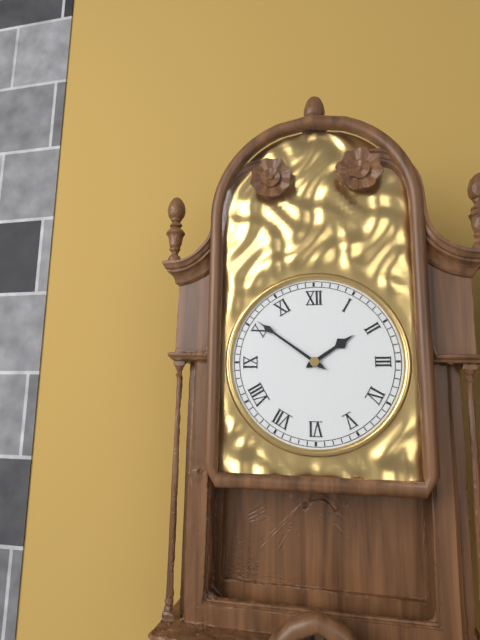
1 h 51 min
